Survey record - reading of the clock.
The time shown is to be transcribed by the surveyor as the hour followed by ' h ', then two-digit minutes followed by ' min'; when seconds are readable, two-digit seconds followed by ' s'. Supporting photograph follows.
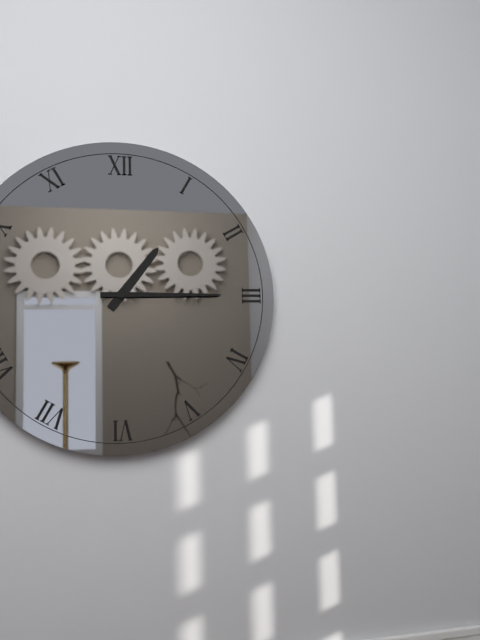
1 h 15 min
